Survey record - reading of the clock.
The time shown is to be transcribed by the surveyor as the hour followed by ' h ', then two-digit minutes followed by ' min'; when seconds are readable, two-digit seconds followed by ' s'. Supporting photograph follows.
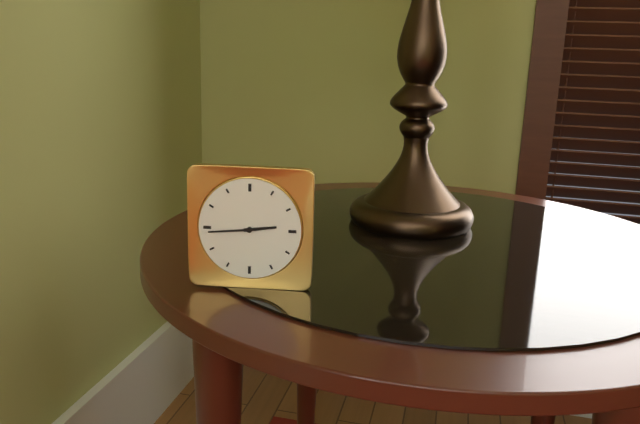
2 h 44 min
